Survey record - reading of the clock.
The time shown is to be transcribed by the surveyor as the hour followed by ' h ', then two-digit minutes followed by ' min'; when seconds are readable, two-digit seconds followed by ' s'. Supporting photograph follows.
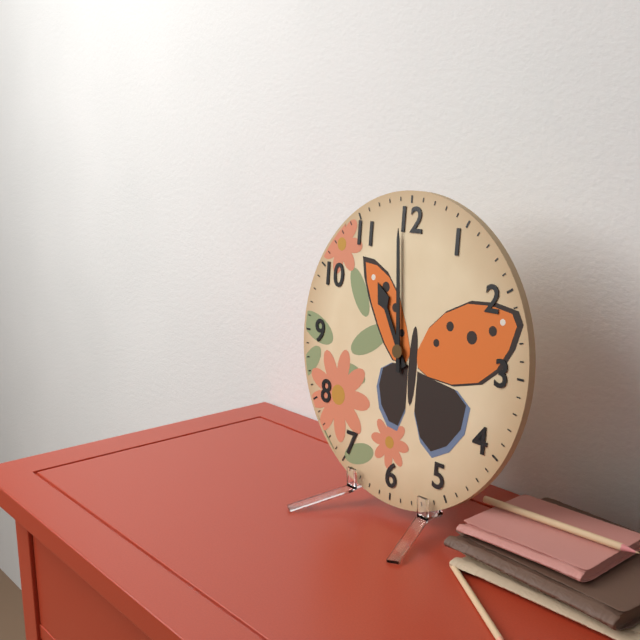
10 h 59 min
